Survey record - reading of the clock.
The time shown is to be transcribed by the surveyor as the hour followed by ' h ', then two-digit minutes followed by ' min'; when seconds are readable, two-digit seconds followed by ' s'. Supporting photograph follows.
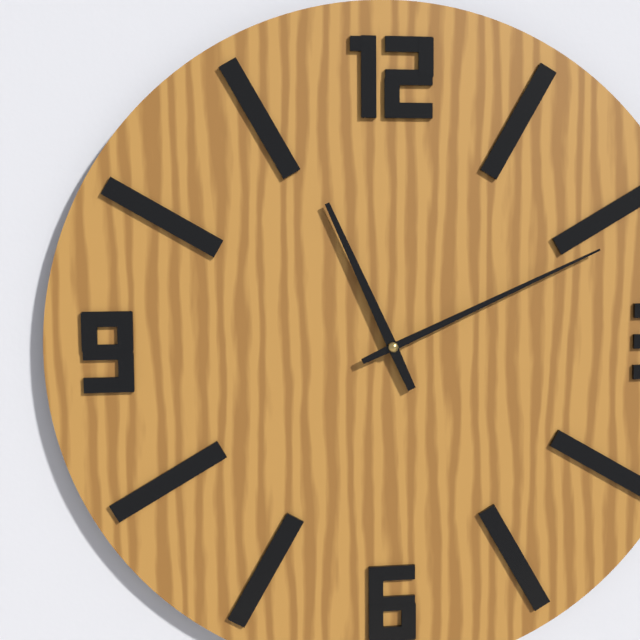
11 h 11 min
